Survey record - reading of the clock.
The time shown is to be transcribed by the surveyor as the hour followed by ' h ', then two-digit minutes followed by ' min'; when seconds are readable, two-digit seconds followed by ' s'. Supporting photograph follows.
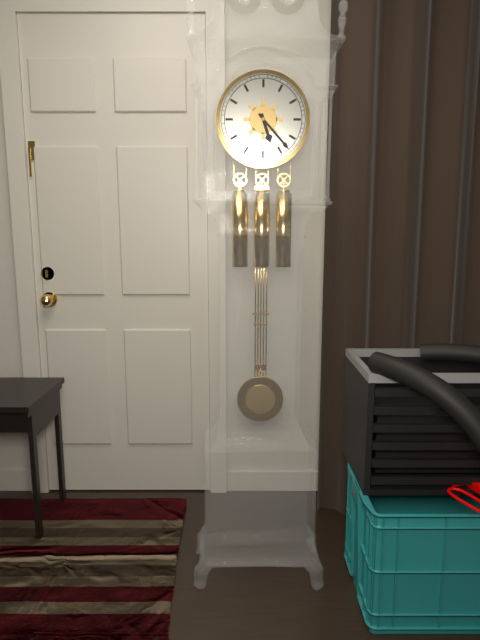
5 h 23 min
